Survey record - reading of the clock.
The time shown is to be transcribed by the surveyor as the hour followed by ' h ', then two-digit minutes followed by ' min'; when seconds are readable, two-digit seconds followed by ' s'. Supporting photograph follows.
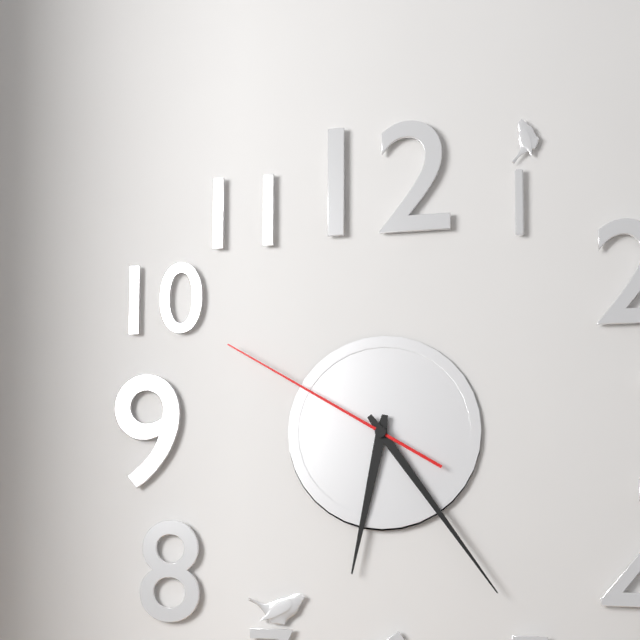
6 h 24 min 50 s
